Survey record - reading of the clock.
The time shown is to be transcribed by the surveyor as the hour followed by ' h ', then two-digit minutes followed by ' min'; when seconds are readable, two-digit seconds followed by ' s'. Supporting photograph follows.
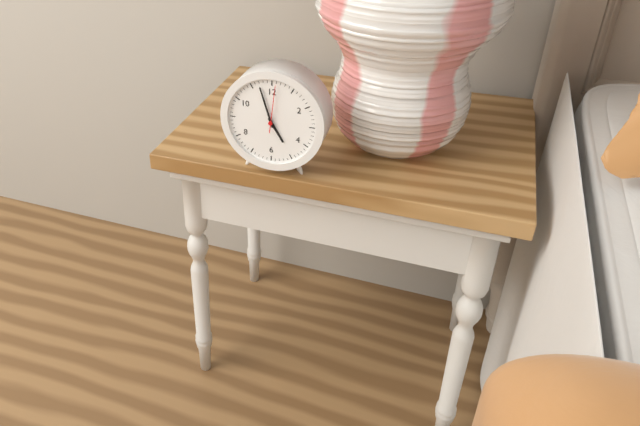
4 h 57 min
